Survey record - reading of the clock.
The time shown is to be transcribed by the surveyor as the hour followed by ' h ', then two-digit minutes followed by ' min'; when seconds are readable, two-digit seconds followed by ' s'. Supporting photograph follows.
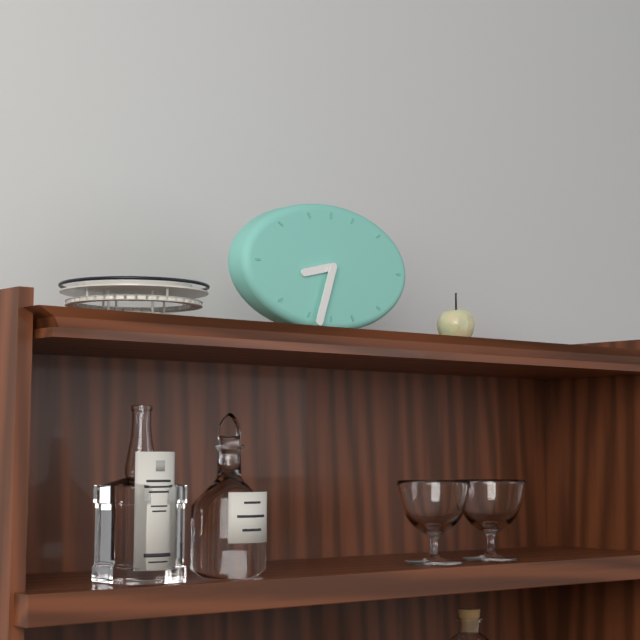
8 h 33 min
